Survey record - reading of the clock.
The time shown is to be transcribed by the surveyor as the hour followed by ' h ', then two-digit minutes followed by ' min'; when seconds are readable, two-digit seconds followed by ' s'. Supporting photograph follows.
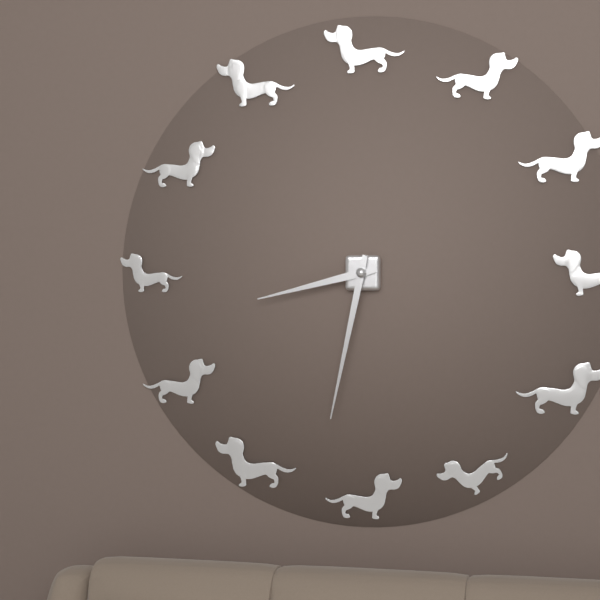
8 h 32 min
